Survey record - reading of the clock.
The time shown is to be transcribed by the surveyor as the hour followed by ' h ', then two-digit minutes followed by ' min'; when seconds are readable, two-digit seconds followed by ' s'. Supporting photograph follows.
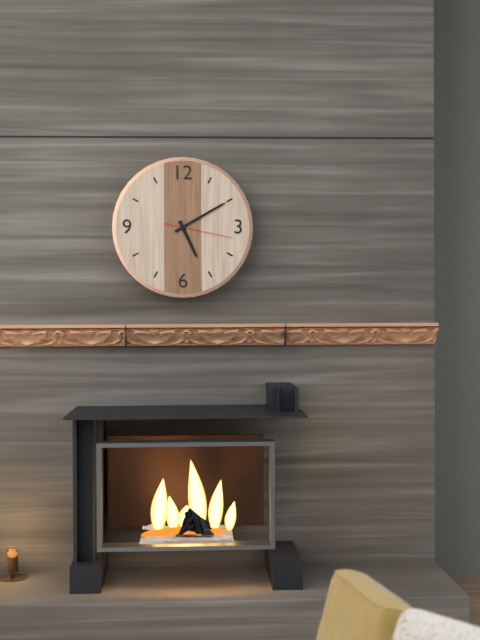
5 h 10 min 17 s
